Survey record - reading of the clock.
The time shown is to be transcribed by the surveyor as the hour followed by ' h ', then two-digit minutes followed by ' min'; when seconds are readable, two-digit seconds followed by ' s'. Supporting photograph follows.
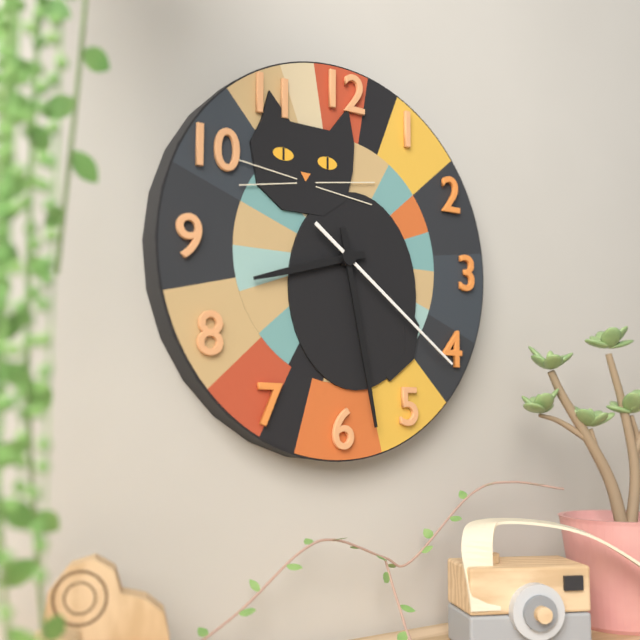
8 h 28 min 21 s
